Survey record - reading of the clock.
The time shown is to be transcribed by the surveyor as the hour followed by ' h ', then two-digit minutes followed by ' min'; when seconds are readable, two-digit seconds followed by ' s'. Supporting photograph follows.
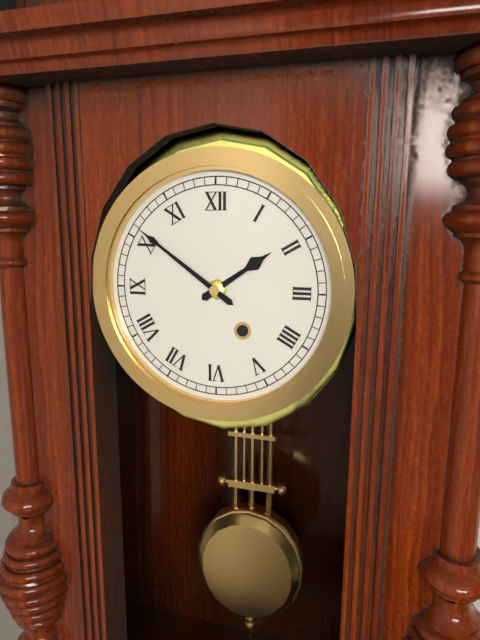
1 h 51 min
